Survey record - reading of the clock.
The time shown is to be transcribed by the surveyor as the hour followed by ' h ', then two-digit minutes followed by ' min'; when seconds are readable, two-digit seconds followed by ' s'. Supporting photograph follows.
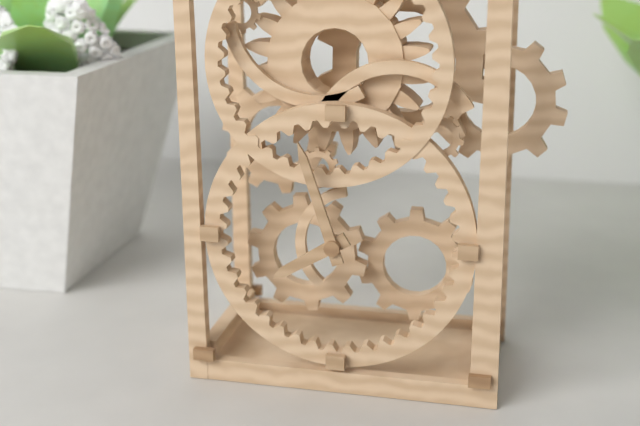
7 h 57 min
